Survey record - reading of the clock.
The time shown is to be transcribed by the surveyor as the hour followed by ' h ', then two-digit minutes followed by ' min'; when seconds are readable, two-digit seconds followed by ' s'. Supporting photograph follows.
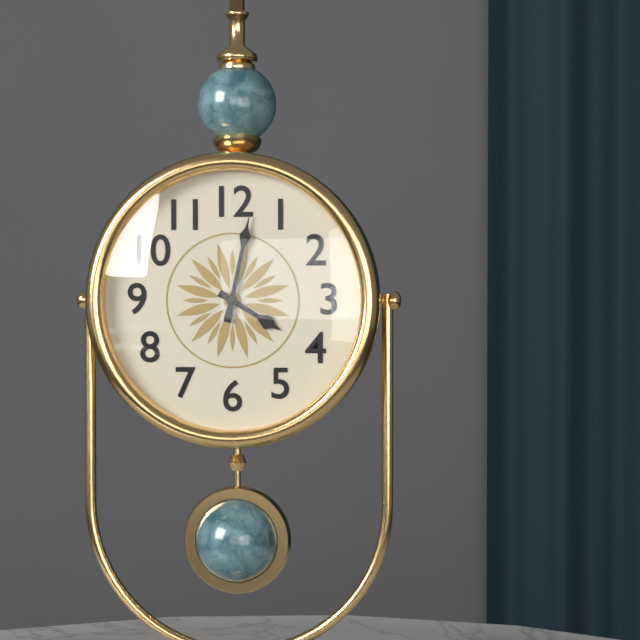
4 h 02 min
